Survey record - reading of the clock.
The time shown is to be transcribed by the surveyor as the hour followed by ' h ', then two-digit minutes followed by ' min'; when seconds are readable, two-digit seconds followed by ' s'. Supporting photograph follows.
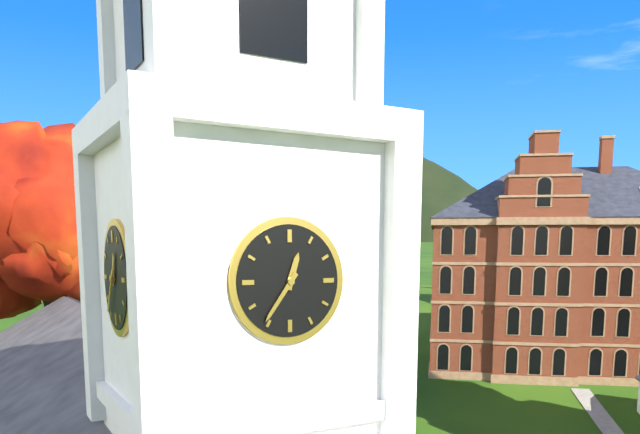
12 h 36 min
